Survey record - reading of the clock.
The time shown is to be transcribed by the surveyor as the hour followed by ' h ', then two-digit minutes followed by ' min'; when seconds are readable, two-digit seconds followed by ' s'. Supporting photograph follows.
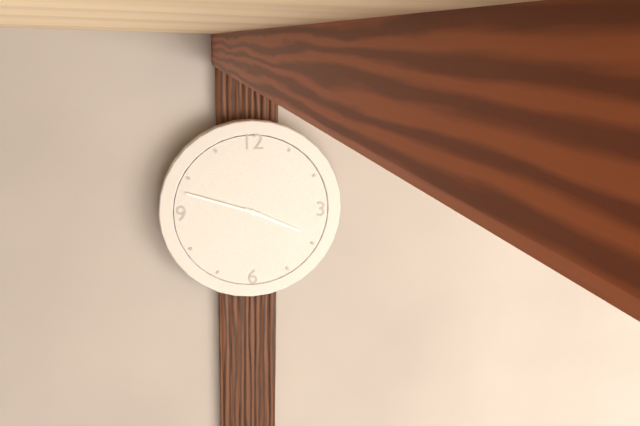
3 h 48 min
